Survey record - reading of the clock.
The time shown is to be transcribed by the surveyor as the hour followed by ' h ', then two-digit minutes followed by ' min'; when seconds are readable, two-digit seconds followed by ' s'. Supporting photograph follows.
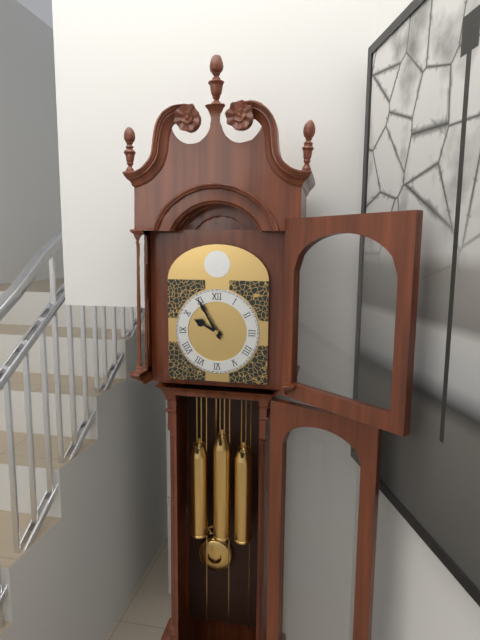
9 h 55 min
